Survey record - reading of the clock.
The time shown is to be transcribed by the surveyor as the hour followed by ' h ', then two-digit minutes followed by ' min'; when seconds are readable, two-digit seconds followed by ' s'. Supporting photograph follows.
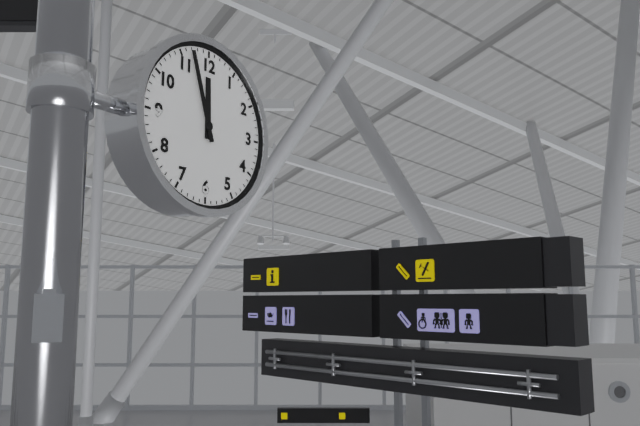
11 h 57 min
